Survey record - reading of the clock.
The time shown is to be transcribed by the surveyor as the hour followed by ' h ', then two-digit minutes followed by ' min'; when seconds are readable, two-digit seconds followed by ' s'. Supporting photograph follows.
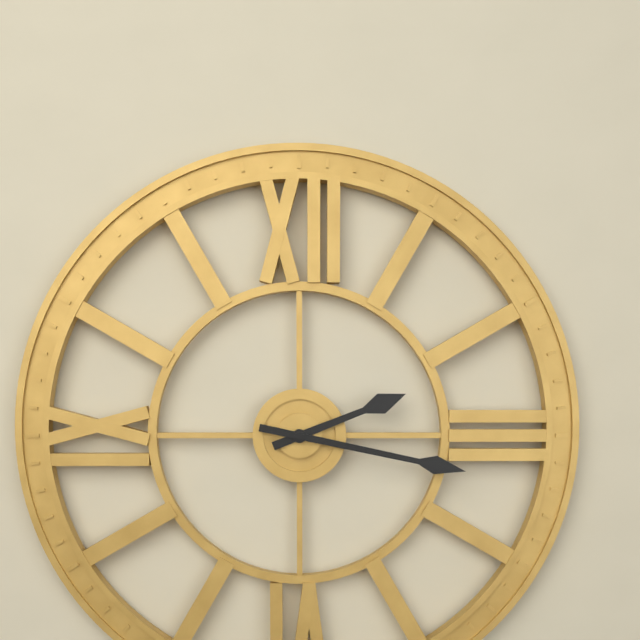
2 h 17 min
